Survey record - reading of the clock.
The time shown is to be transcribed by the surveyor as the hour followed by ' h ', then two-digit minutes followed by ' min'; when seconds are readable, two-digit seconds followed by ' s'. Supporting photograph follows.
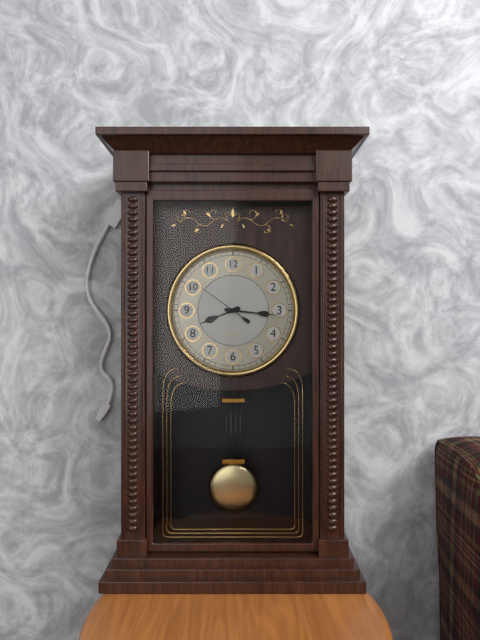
8 h 16 min 51 s
